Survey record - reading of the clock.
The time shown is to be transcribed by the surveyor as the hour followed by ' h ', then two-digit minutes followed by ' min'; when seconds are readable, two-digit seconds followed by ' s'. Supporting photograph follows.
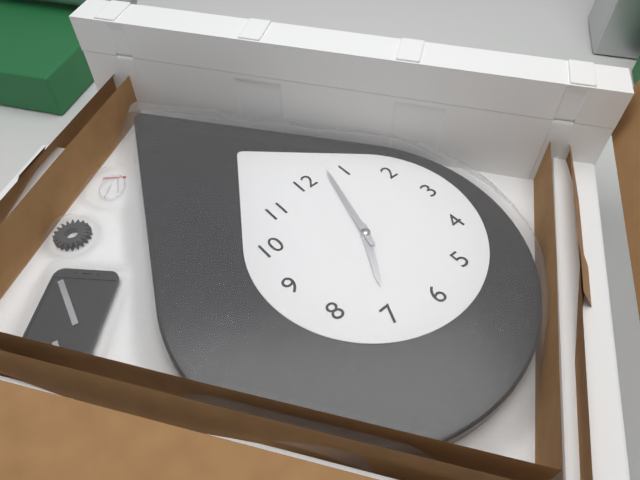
7 h 03 min
